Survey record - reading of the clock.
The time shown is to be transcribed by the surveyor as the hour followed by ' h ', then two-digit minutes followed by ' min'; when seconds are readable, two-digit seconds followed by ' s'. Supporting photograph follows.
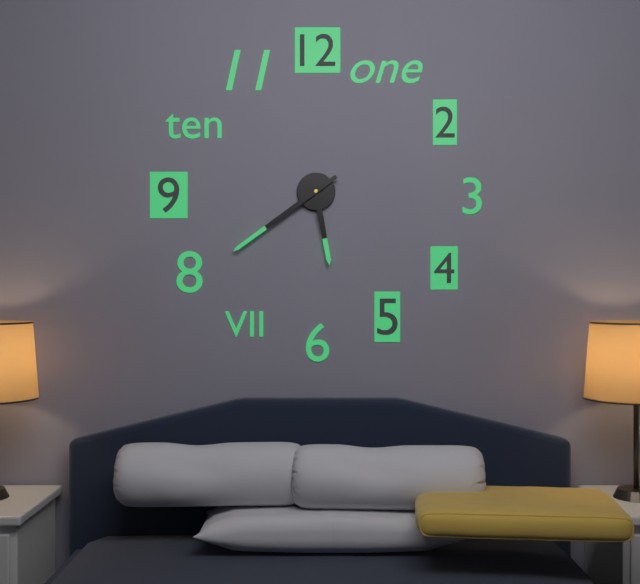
5 h 39 min
